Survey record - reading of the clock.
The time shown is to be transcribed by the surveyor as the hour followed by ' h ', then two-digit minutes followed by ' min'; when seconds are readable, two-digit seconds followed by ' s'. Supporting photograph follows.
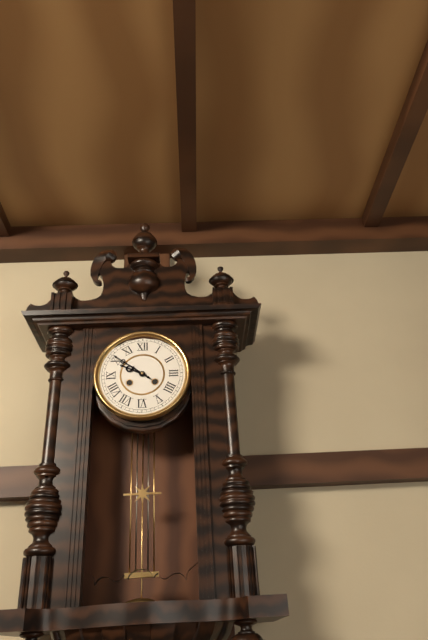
9 h 51 min
